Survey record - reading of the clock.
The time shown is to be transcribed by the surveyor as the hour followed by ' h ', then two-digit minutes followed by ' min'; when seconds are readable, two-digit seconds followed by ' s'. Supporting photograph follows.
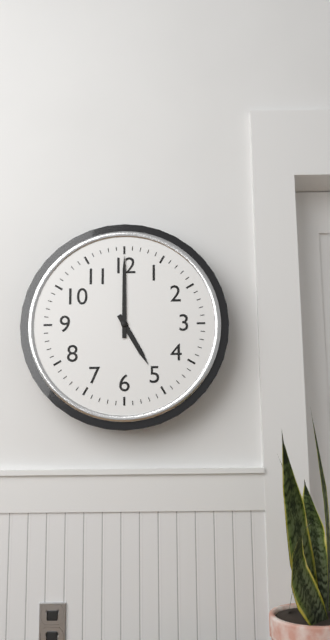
5 h 00 min
